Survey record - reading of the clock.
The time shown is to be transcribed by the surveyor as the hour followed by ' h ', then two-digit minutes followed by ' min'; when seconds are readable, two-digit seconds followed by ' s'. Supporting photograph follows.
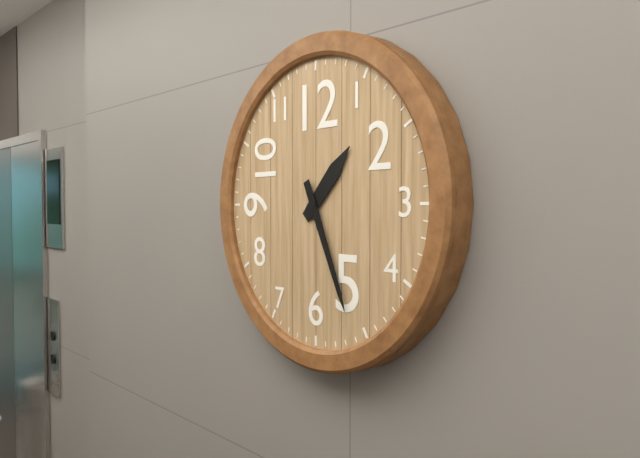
1 h 26 min
